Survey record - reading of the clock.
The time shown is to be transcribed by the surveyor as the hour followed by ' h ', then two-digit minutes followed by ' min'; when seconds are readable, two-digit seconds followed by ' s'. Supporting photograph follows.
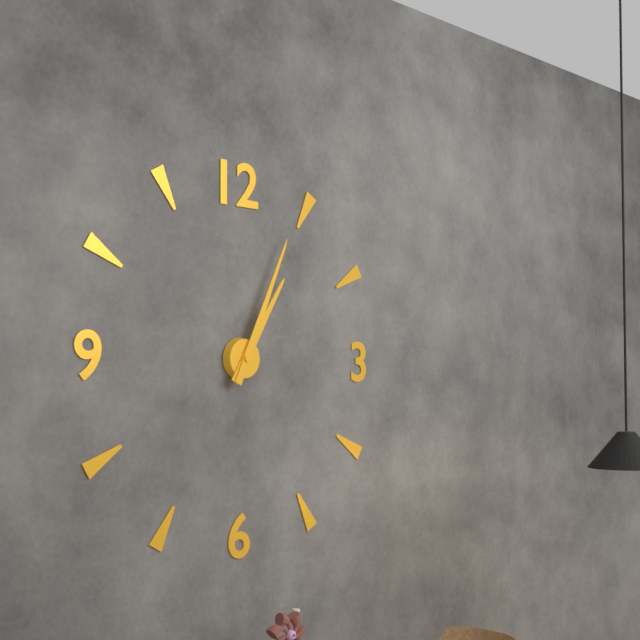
1 h 04 min
